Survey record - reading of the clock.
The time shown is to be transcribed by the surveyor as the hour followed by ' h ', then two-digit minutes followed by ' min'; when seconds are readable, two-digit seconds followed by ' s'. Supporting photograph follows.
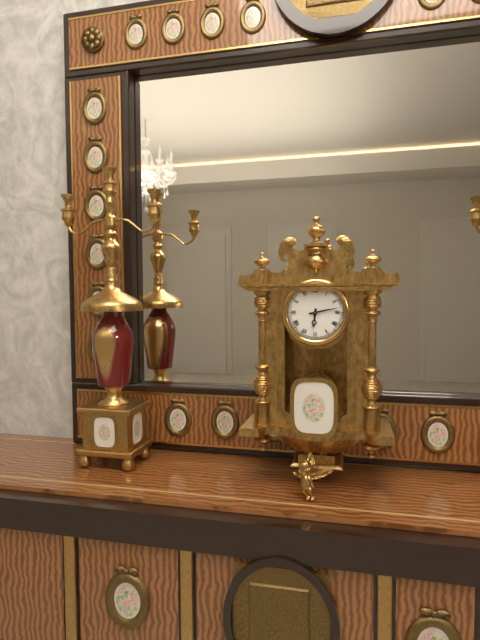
6 h 13 min
